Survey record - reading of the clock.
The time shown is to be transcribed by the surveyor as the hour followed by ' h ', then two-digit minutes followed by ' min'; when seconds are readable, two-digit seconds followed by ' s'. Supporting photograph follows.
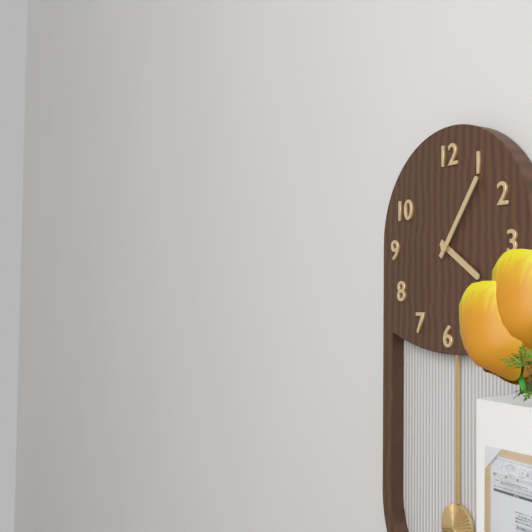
4 h 06 min
